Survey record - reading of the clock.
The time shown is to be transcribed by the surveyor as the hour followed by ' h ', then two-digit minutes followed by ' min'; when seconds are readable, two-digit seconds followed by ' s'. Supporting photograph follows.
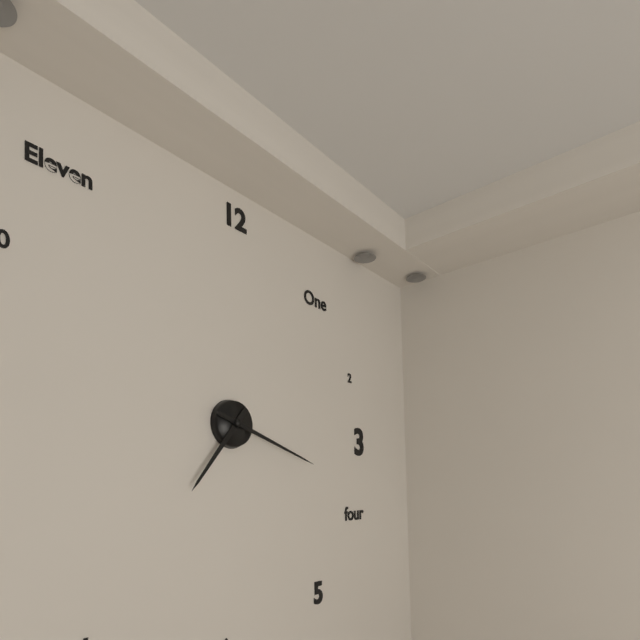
7 h 18 min
